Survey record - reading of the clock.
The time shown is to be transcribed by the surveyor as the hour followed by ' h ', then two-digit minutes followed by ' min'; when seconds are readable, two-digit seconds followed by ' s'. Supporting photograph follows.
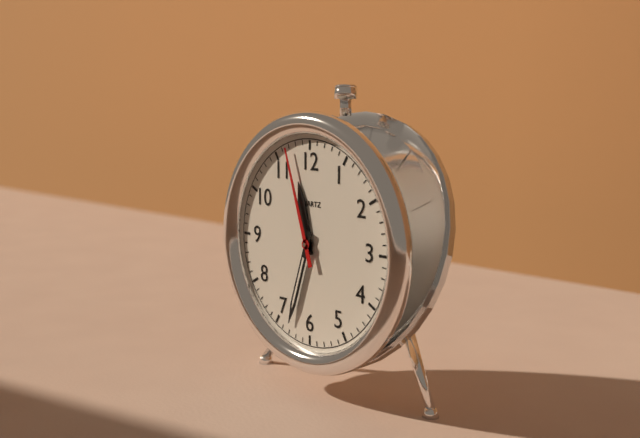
11 h 33 min 57 s
